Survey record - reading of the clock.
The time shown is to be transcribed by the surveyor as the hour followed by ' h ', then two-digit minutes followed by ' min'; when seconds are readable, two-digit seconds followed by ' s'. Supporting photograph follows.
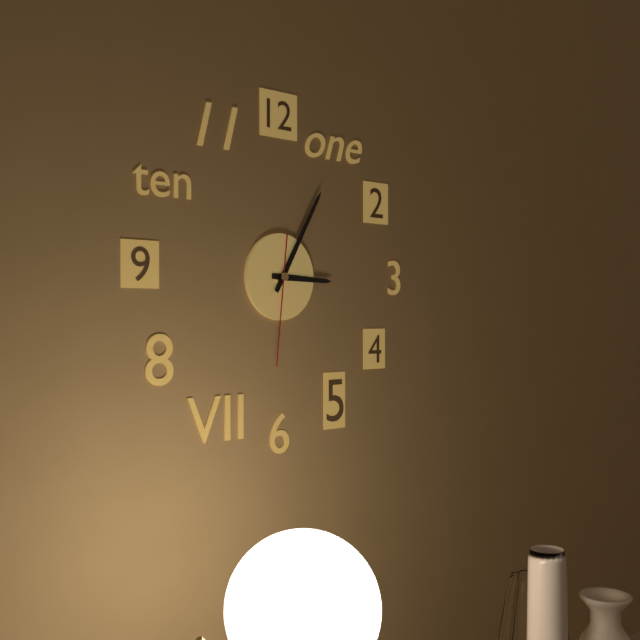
3 h 05 min 31 s
